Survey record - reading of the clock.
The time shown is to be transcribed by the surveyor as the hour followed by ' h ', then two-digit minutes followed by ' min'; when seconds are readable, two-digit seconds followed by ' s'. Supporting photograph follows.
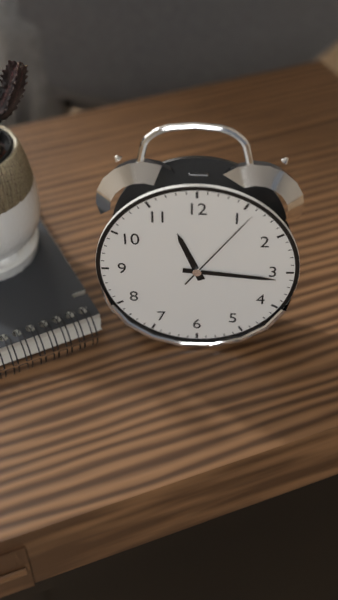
11 h 16 min 06 s
